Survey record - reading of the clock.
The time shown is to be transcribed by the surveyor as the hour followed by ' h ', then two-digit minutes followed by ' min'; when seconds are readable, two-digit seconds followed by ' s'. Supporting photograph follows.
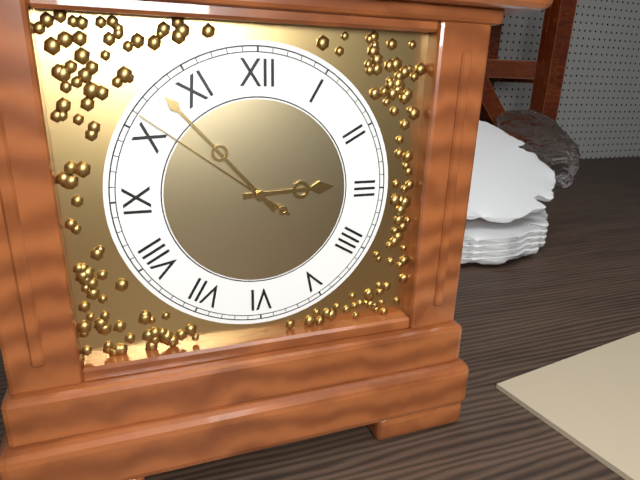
2 h 53 min 51 s
